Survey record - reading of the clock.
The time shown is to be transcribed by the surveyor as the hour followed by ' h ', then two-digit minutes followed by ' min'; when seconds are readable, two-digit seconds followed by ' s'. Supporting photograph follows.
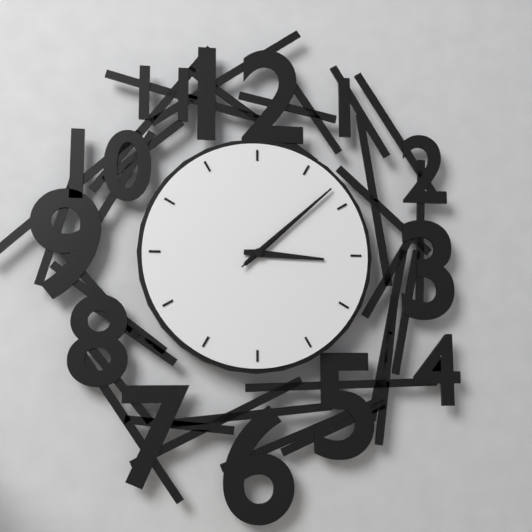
3 h 08 min 08 s
